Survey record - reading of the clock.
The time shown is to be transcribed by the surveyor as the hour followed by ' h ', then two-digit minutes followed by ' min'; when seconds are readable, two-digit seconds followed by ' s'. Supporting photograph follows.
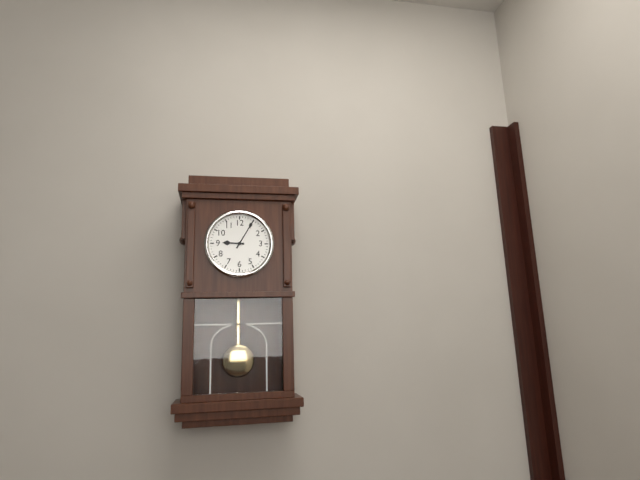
9 h 05 min
